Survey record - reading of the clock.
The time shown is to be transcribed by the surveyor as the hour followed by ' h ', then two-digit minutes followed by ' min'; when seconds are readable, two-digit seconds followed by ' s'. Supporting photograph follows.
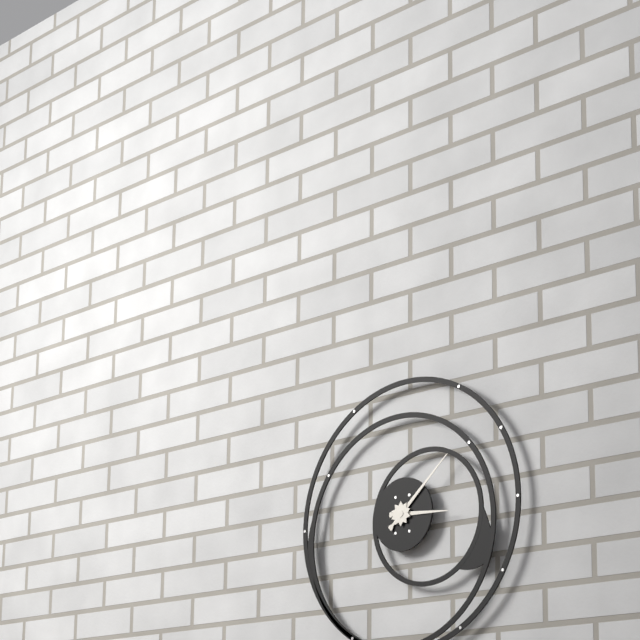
3 h 08 min
